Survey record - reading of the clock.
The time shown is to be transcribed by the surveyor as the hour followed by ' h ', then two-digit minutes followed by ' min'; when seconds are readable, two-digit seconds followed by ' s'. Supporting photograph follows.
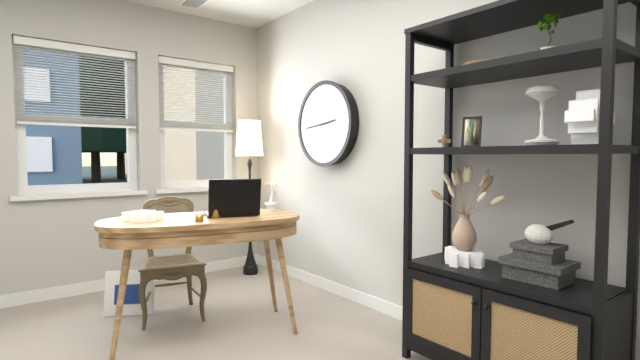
2 h 44 min
